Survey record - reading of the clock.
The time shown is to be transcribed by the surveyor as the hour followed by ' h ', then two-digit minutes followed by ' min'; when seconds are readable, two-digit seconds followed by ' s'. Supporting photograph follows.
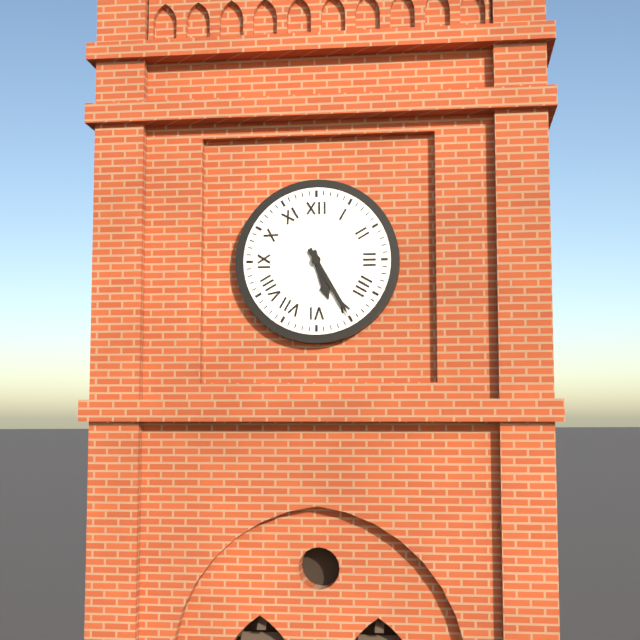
5 h 25 min
